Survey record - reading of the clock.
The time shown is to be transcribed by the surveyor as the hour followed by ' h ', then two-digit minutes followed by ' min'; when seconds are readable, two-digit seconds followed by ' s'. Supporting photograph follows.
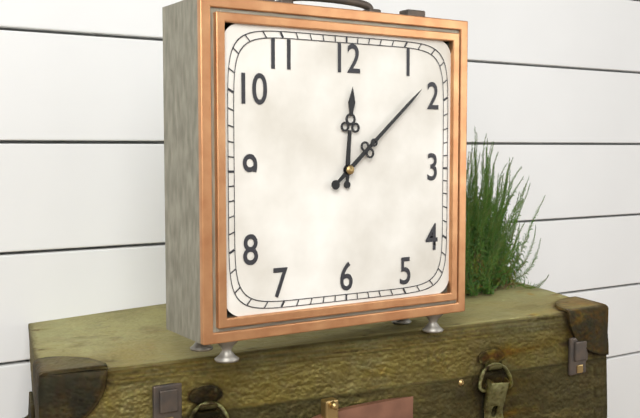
12 h 08 min
